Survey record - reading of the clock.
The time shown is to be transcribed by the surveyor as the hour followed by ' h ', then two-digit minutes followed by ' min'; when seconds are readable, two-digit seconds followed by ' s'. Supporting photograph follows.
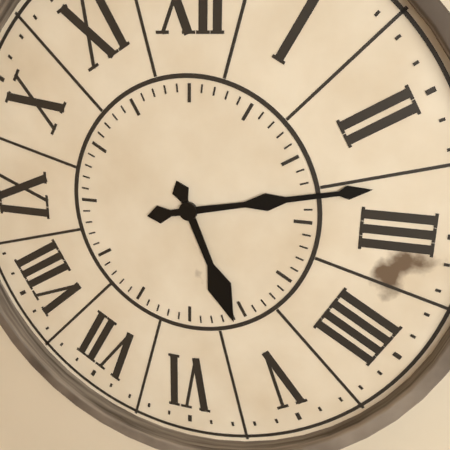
5 h 13 min
